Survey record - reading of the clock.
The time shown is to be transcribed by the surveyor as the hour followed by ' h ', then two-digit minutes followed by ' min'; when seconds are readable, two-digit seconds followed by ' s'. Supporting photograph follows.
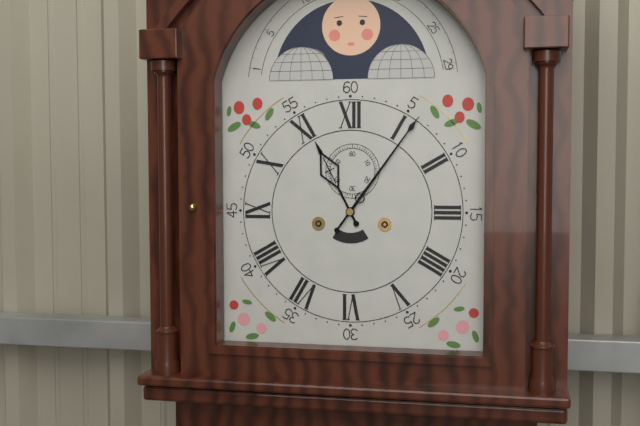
11 h 06 min
